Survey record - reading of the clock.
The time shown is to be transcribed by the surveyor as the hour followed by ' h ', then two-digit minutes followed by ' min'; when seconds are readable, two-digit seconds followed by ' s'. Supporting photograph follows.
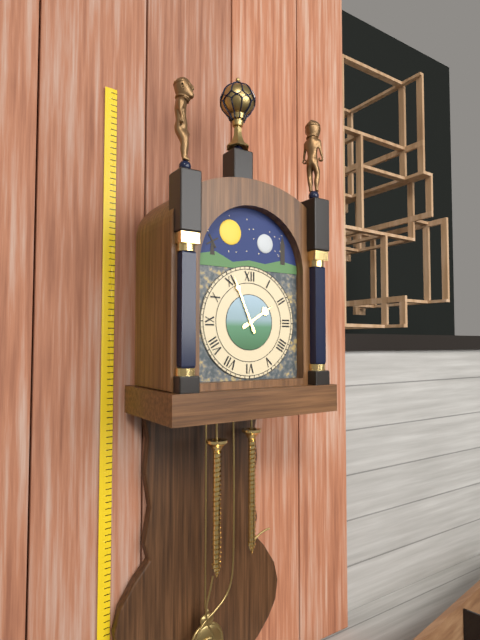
1 h 56 min
